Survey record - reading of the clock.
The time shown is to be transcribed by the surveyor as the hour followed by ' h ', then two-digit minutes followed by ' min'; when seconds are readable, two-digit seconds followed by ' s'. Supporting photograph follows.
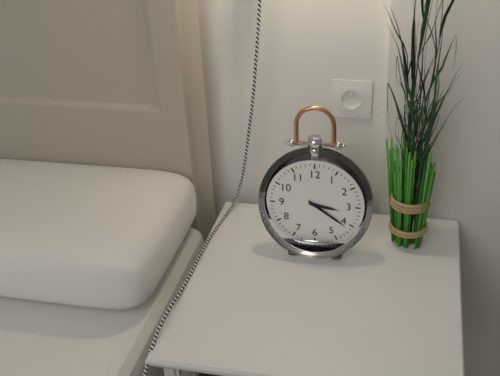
3 h 21 min
